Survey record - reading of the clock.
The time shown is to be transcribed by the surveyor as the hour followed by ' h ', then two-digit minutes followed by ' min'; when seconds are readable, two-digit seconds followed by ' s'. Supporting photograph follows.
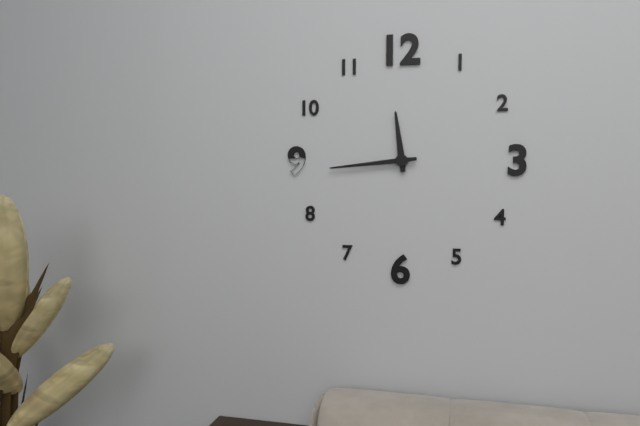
11 h 44 min
